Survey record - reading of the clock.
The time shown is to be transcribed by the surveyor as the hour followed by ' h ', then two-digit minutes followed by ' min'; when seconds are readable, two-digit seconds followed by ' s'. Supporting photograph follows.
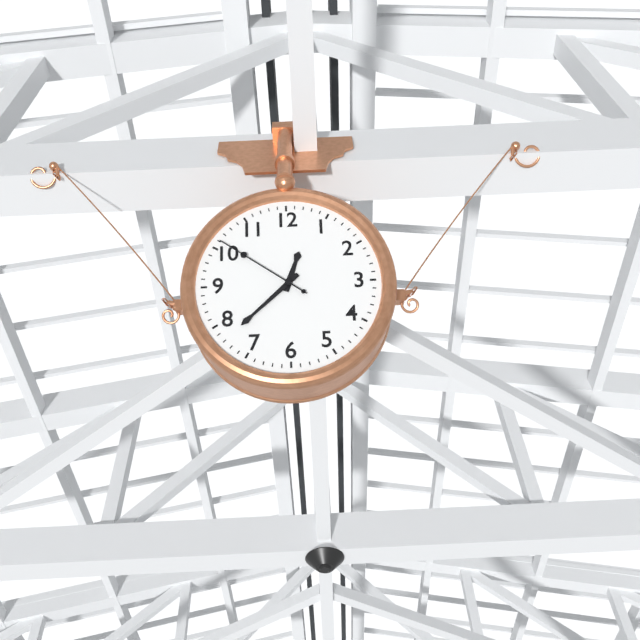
12 h 38 min 51 s
